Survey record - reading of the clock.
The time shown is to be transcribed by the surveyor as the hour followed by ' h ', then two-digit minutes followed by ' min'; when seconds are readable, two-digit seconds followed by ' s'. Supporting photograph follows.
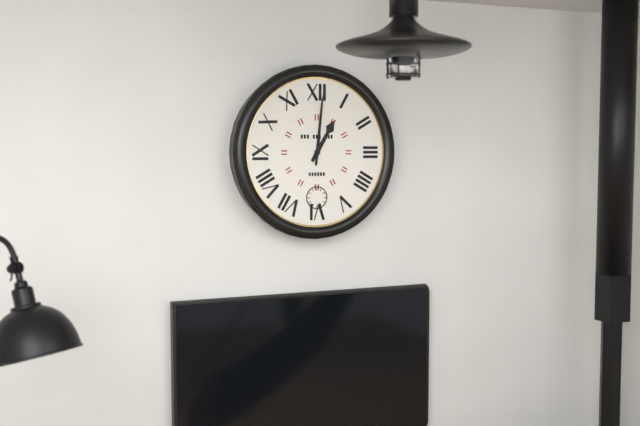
1 h 01 min
